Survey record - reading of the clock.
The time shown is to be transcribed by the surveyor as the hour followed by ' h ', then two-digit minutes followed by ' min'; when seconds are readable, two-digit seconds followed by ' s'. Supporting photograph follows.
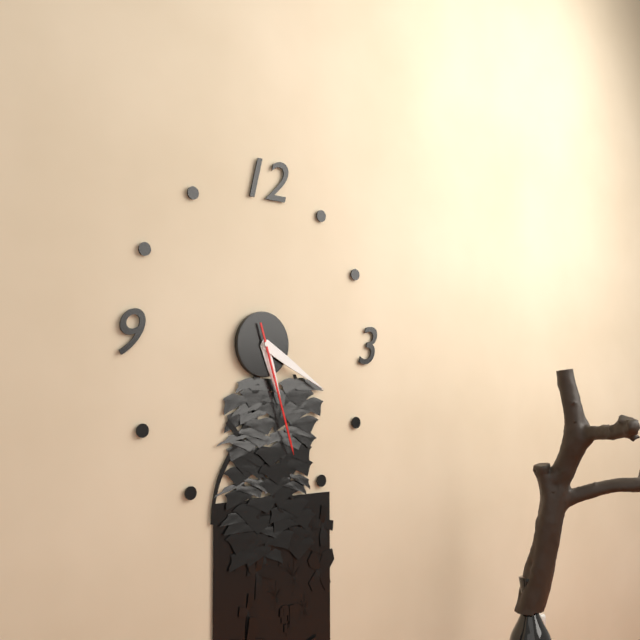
5 h 20 min 27 s
